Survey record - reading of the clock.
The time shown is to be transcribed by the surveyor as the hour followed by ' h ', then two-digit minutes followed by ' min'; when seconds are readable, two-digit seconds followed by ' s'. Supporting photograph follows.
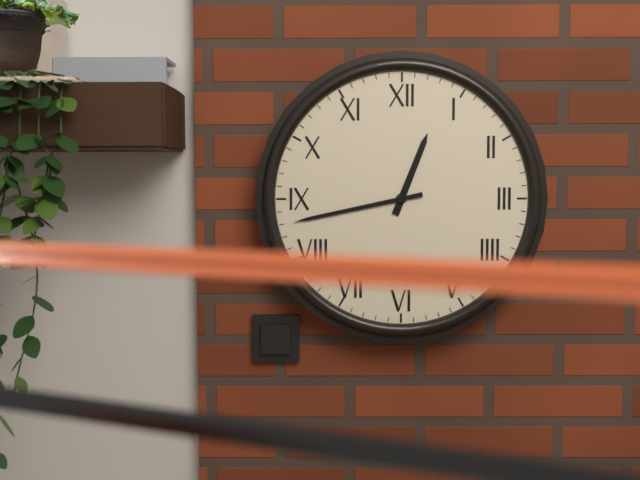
12 h 43 min
